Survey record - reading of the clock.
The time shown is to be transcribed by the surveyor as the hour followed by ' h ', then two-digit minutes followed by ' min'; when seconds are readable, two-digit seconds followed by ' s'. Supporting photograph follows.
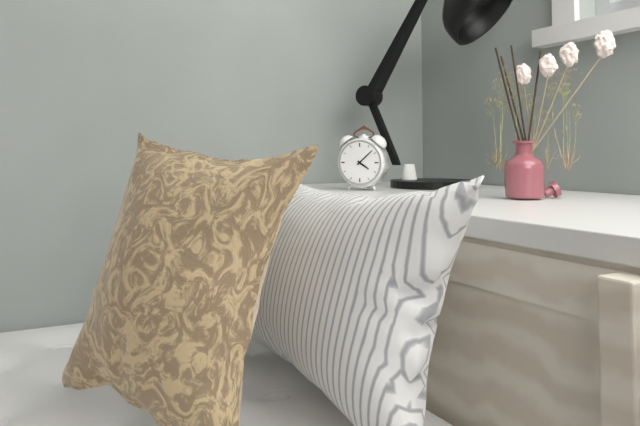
4 h 08 min
